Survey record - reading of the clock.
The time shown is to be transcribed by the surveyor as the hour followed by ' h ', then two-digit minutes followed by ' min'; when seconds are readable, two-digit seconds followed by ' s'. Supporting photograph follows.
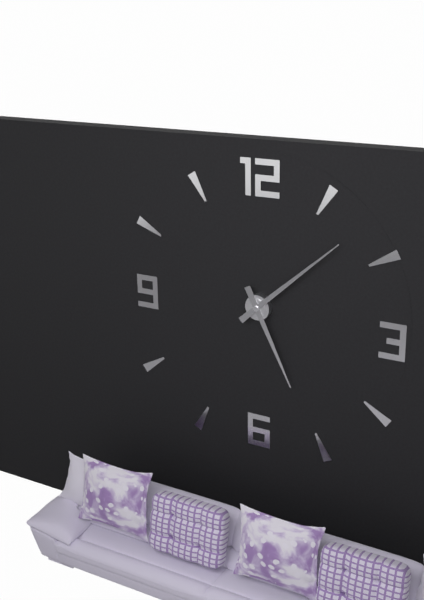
5 h 08 min
